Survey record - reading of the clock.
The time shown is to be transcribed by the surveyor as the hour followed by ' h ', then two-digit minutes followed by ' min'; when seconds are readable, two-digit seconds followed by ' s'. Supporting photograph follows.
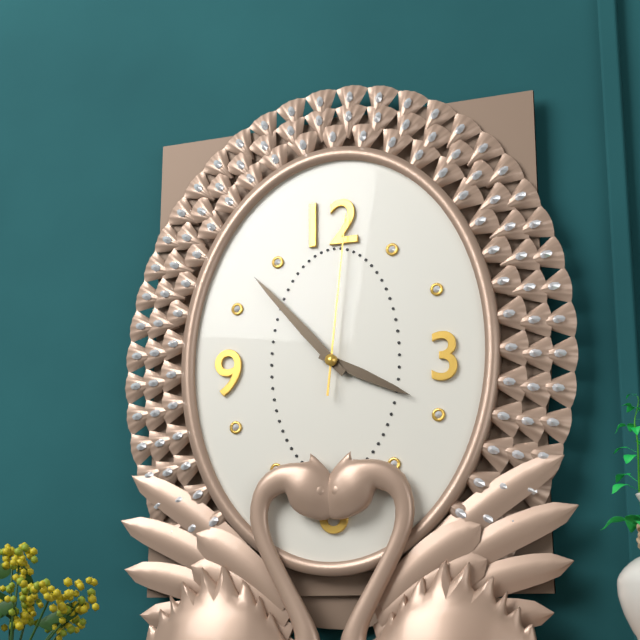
3 h 53 min 01 s
